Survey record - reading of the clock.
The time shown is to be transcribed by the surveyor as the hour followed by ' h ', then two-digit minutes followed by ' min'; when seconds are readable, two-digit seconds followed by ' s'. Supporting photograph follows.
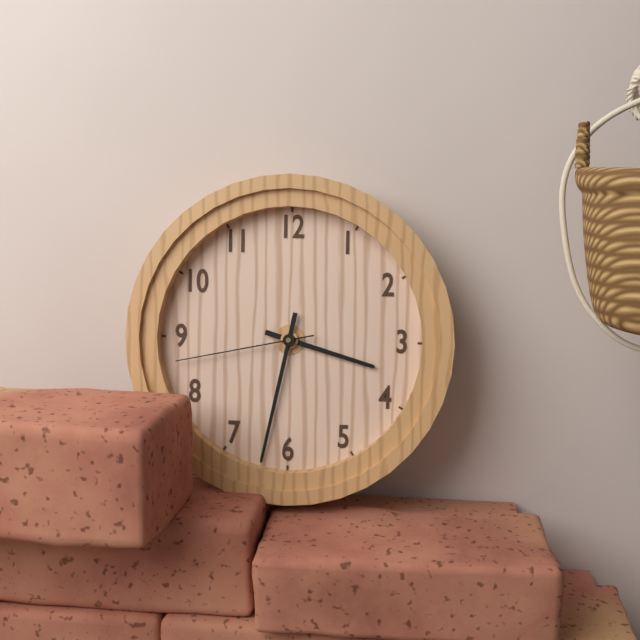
3 h 32 min 43 s
